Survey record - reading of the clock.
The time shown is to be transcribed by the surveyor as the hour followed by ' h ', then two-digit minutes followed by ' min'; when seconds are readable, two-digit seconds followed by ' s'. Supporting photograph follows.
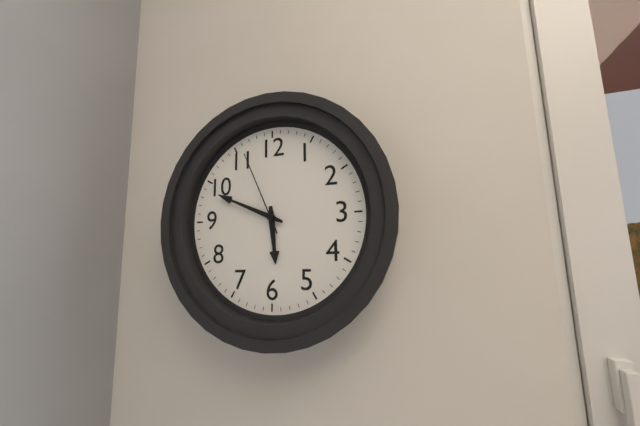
5 h 49 min 56 s
